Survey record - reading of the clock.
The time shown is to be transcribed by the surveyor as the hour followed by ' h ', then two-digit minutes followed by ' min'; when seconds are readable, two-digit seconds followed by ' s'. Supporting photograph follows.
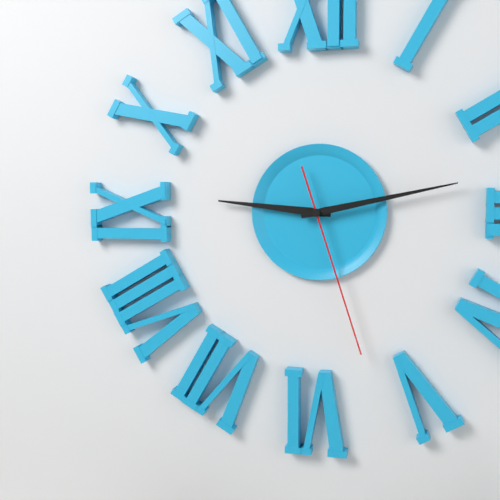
9 h 13 min 27 s
